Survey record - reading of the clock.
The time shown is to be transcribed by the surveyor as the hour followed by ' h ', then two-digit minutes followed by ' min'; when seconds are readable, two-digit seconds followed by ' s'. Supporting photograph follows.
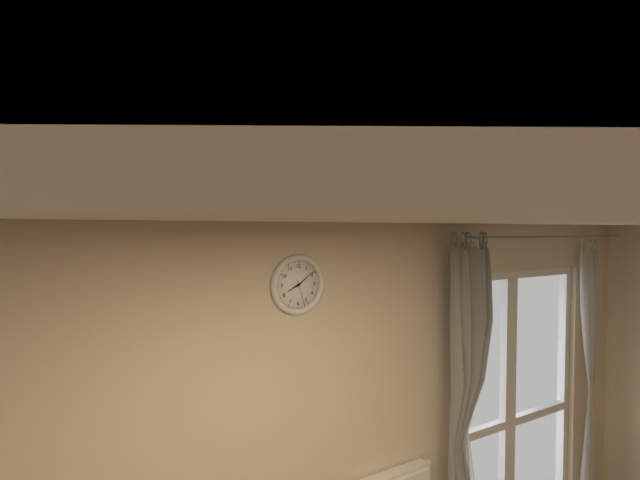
8 h 09 min
